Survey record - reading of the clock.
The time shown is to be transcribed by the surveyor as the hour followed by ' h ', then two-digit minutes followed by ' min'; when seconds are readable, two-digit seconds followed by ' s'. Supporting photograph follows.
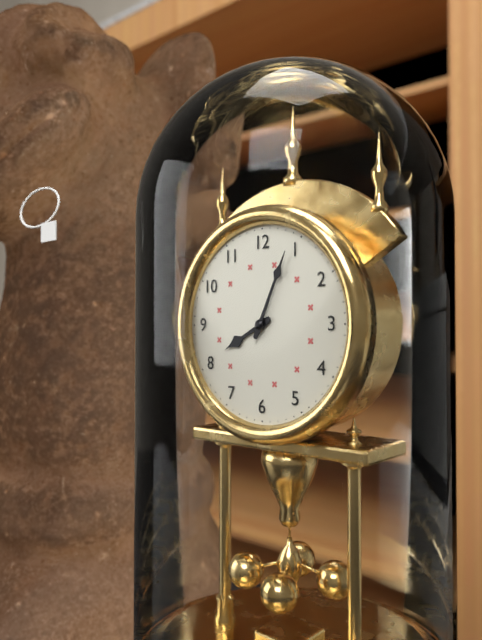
8 h 04 min
